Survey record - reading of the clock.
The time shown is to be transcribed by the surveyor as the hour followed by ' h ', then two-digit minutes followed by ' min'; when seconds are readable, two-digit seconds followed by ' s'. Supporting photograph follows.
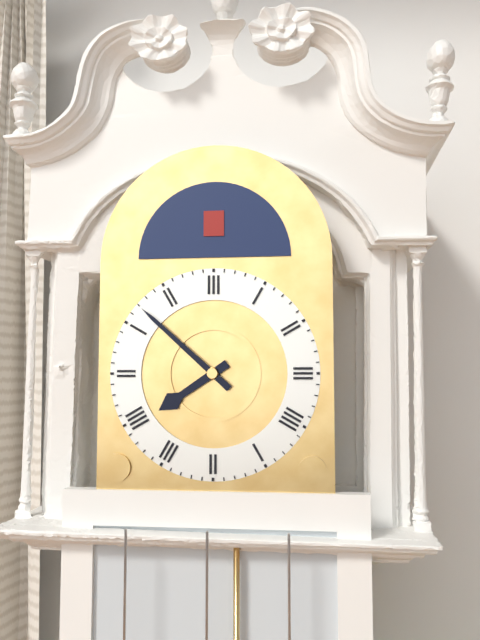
7 h 52 min
